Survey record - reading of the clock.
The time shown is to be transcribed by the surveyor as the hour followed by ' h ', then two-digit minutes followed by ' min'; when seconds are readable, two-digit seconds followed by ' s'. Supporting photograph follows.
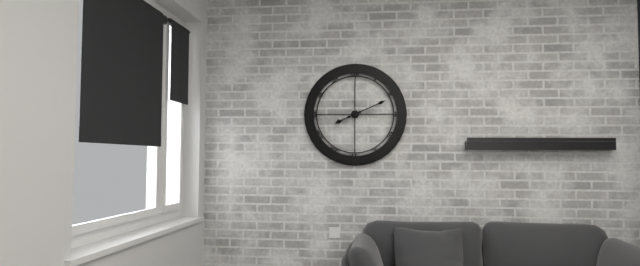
8 h 11 min
